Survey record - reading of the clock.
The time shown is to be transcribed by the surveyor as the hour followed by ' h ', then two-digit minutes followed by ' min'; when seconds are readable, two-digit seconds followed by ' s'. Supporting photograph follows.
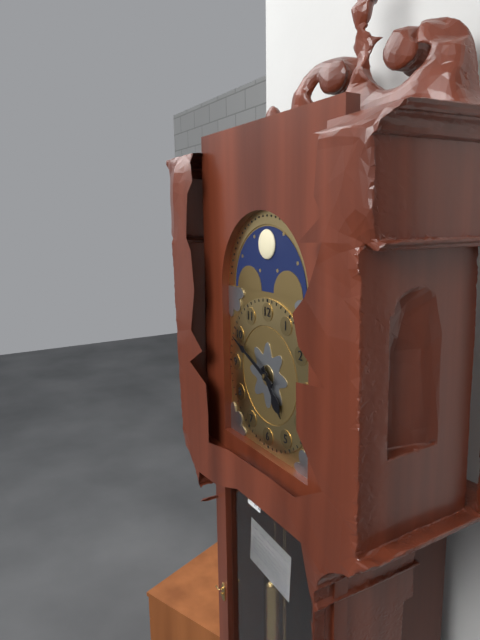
4 h 49 min
